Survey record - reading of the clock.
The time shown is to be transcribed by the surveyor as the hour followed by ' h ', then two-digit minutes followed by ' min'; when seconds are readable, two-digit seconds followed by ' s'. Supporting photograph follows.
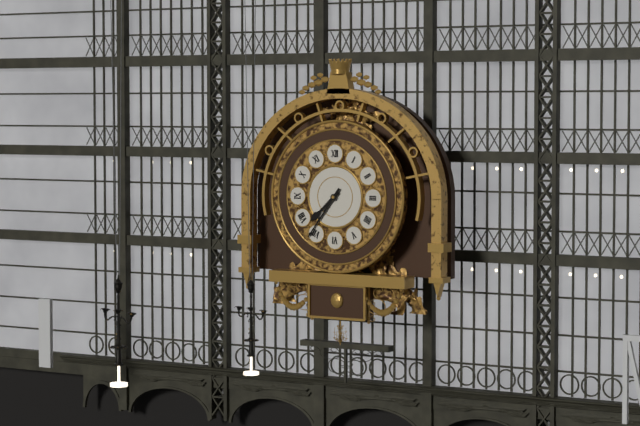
7 h 36 min
